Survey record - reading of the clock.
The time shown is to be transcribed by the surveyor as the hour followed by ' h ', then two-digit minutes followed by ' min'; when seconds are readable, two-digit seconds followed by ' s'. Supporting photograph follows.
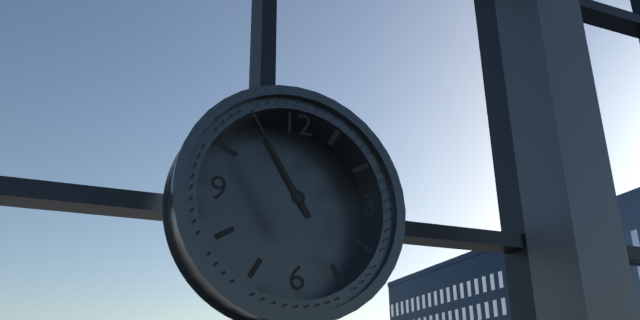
10 h 55 min
